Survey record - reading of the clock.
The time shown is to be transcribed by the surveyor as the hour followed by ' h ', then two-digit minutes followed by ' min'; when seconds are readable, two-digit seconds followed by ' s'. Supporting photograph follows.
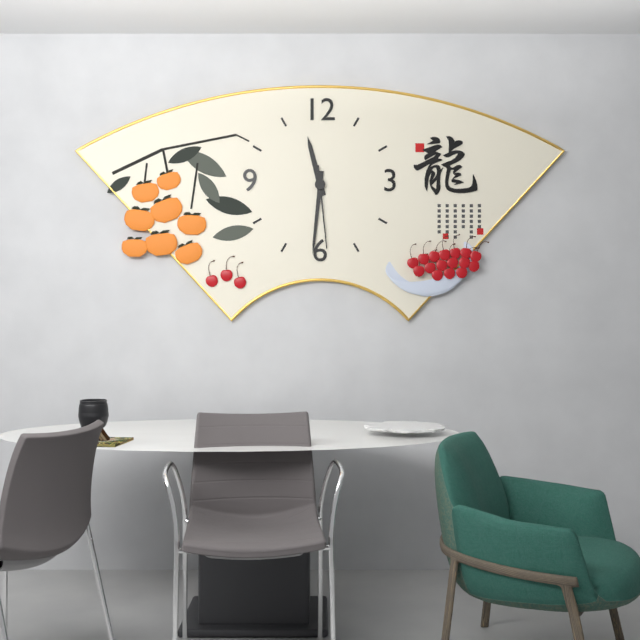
11 h 31 min 29 s
